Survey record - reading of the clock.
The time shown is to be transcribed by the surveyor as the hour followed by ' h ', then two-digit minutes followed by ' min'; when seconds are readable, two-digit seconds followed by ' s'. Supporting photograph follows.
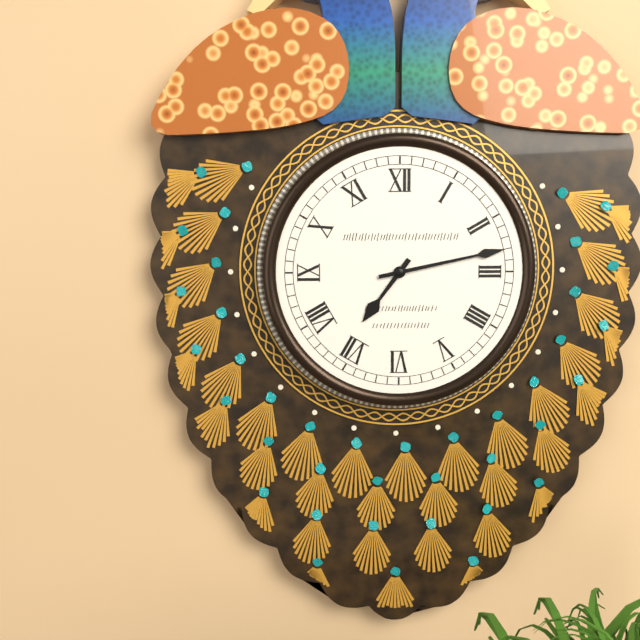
7 h 13 min
